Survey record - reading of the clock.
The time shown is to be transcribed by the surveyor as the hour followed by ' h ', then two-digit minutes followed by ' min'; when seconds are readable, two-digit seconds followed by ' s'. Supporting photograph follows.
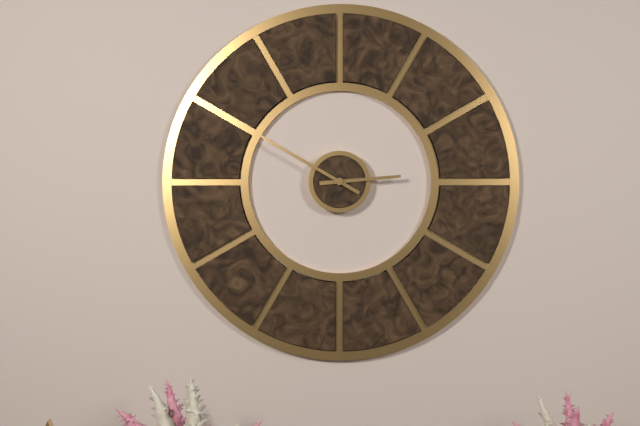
2 h 50 min
